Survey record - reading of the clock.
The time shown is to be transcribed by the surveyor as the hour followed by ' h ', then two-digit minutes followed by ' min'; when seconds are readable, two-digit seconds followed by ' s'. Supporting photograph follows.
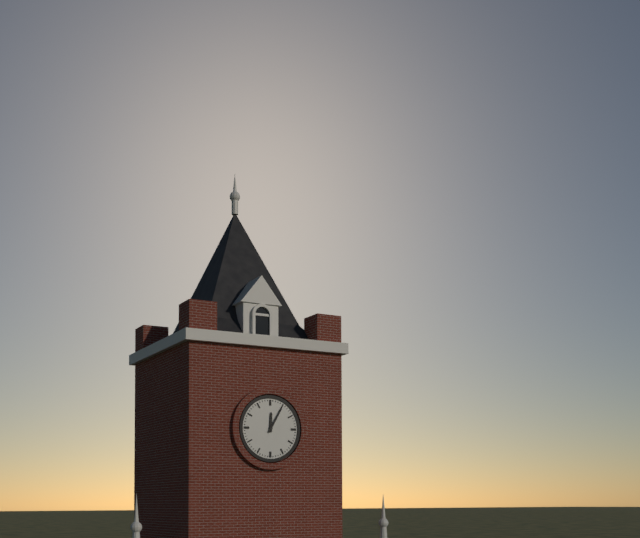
12 h 05 min
